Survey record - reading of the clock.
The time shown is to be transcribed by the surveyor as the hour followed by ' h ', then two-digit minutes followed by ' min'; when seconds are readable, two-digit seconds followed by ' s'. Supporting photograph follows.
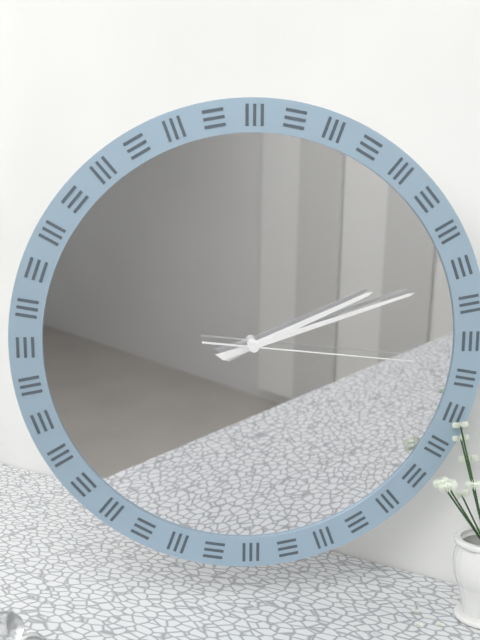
2 h 12 min 16 s
